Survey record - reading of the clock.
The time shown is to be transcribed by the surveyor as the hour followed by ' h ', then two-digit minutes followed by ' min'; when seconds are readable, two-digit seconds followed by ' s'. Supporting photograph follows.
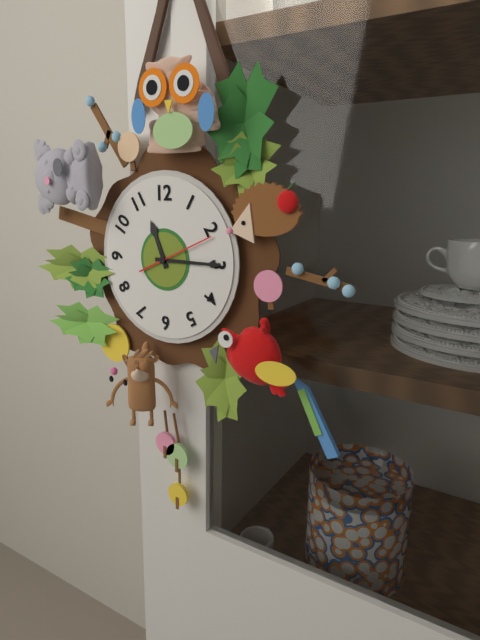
11 h 15 min 11 s
